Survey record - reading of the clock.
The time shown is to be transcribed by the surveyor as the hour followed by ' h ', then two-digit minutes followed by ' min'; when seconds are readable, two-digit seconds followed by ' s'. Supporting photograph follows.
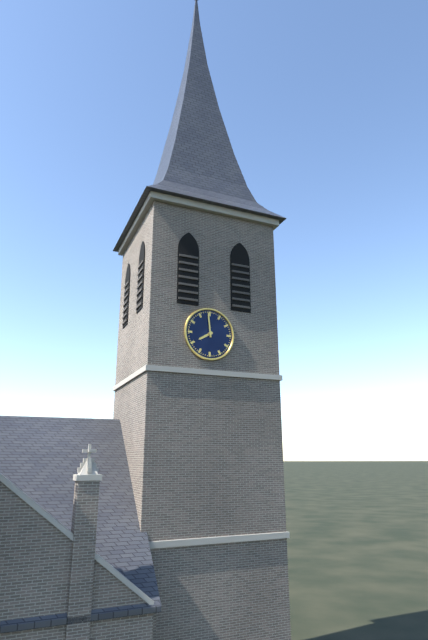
7 h 59 min
